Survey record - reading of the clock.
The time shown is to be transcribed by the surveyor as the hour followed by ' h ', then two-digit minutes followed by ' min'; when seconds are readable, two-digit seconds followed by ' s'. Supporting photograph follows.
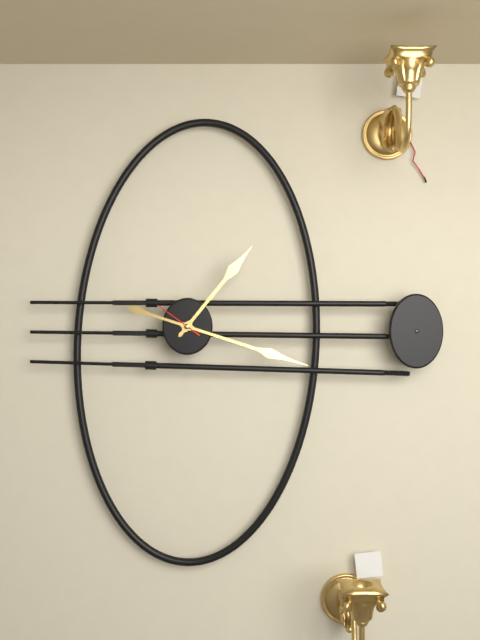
1 h 18 min
